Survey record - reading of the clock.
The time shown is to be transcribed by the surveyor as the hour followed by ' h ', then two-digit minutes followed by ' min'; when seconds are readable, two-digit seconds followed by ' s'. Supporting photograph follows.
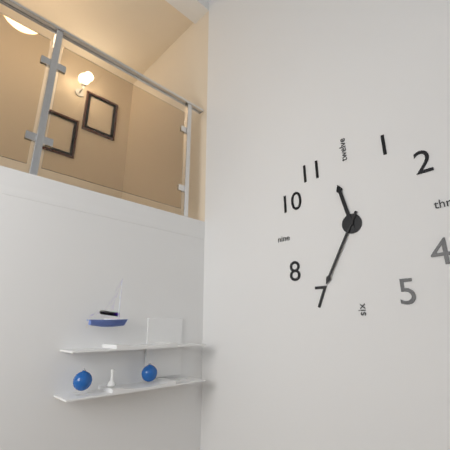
11 h 35 min
